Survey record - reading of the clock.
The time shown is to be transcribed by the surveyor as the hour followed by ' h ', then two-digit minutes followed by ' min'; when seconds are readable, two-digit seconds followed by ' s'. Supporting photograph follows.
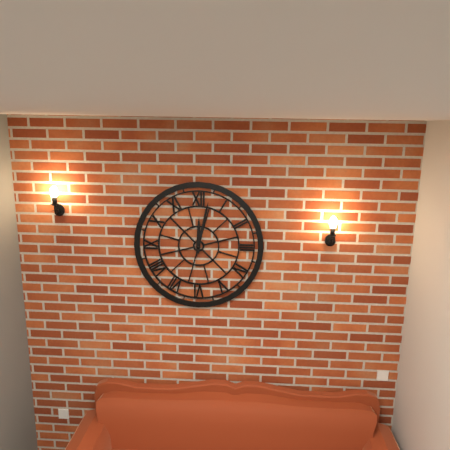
12 h 02 min
